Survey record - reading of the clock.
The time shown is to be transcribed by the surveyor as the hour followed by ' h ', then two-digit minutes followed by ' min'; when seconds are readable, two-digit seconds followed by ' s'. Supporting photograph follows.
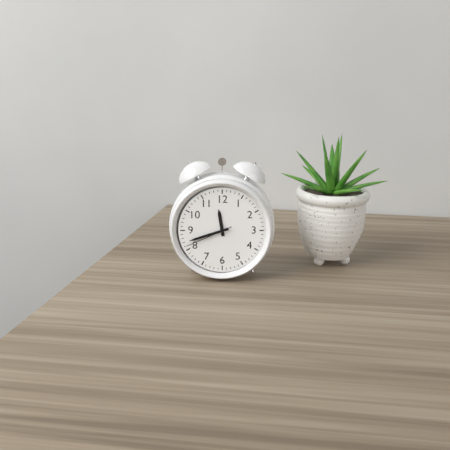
11 h 42 min
